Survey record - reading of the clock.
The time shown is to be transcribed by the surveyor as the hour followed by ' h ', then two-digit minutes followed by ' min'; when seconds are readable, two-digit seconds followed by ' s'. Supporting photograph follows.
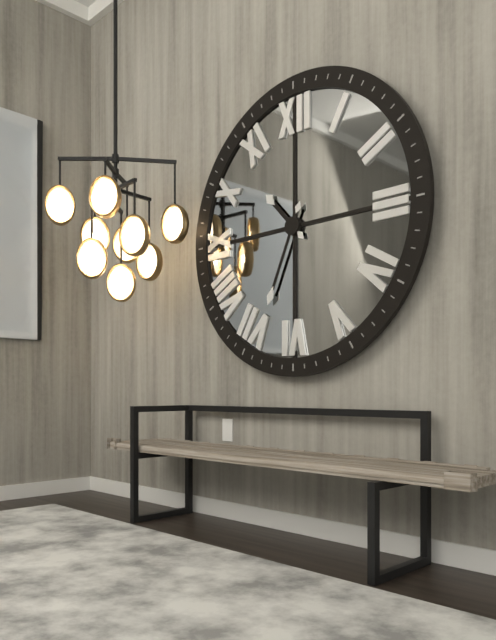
10 h 34 min
